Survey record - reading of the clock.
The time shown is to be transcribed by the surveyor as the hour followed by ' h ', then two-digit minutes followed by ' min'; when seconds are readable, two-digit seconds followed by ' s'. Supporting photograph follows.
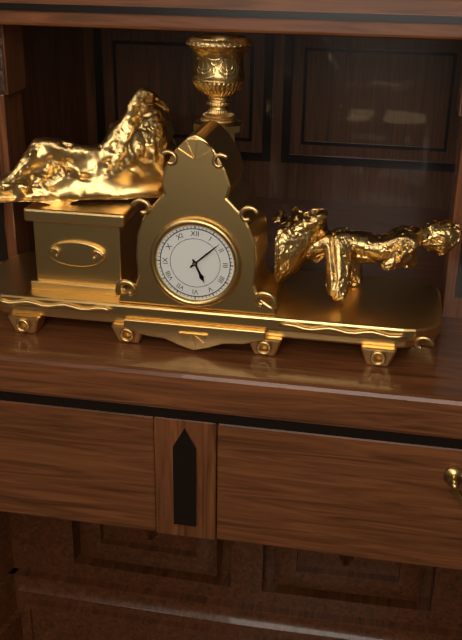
5 h 08 min
